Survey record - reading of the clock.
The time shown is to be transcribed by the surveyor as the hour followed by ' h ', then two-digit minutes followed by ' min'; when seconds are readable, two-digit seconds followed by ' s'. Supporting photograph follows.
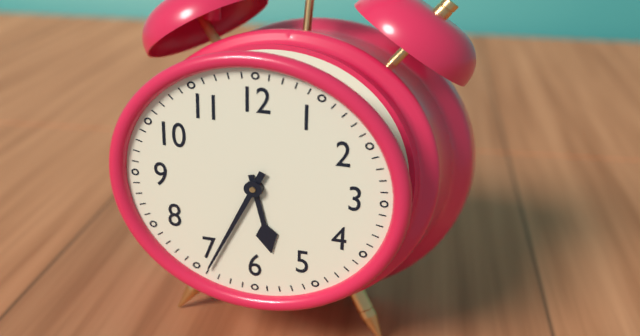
5 h 34 min
